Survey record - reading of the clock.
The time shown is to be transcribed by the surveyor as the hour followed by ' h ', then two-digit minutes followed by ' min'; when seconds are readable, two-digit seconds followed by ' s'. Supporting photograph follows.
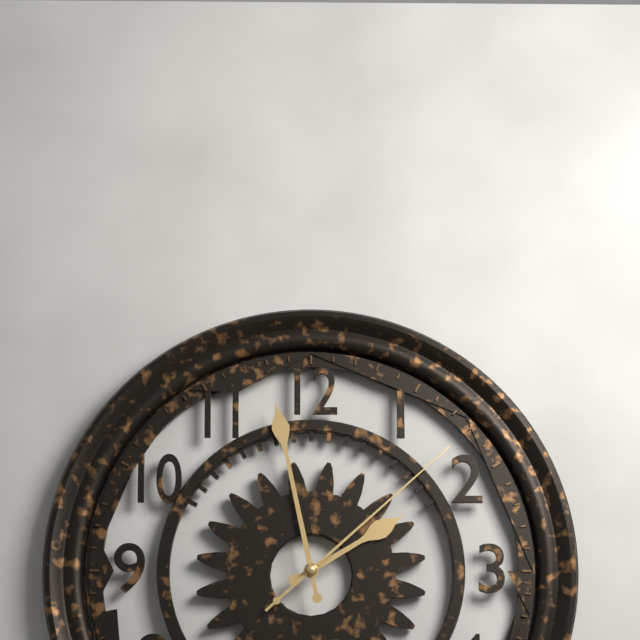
1 h 58 min 08 s
